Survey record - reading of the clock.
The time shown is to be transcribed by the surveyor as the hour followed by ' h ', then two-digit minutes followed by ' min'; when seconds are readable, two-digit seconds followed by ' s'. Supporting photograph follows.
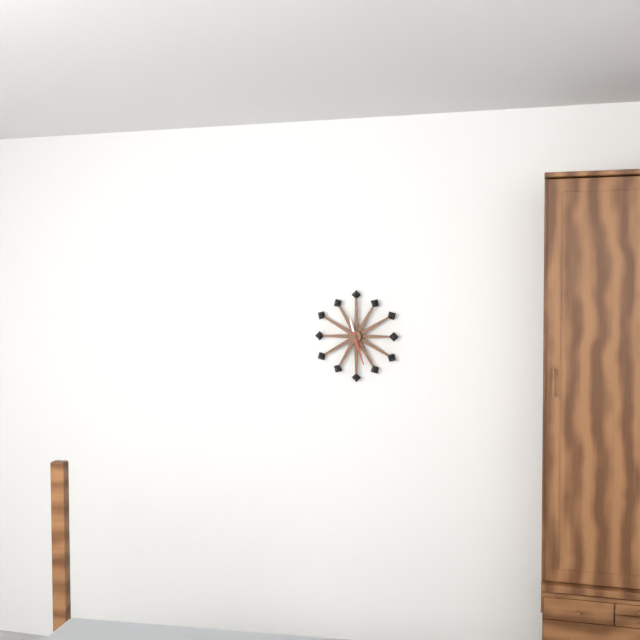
11 h 27 min
